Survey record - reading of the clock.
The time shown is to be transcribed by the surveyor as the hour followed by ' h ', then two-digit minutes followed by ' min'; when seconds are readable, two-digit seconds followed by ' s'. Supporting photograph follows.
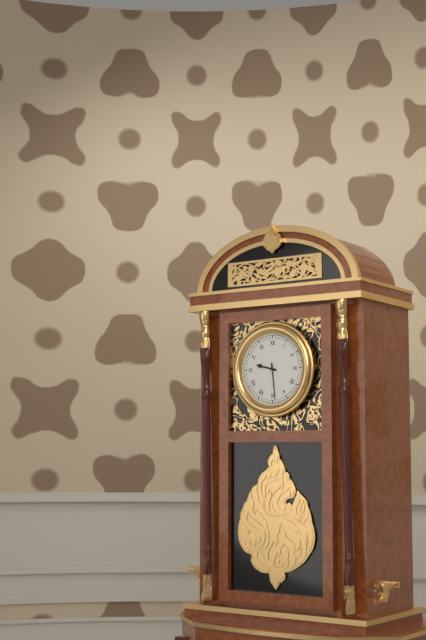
9 h 29 min
